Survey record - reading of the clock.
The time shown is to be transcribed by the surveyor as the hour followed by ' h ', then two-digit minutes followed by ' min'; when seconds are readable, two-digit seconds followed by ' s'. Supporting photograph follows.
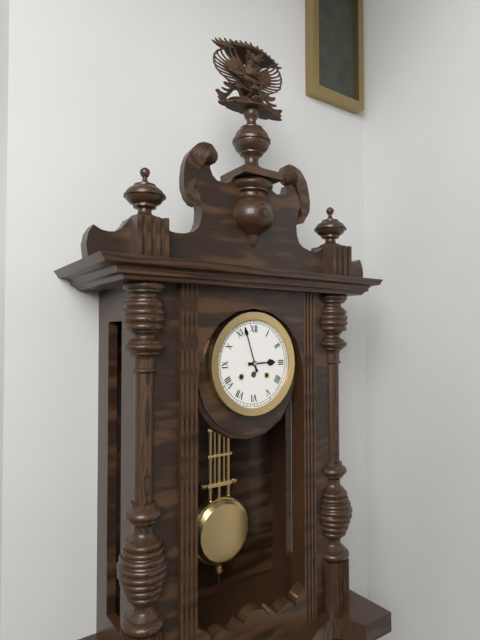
2 h 57 min
